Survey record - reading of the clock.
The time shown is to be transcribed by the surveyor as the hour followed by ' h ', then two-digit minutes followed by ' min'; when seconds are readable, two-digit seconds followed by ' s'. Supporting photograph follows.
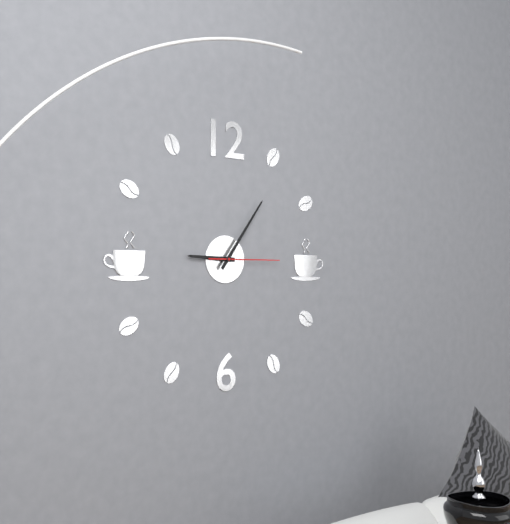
9 h 06 min 15 s
